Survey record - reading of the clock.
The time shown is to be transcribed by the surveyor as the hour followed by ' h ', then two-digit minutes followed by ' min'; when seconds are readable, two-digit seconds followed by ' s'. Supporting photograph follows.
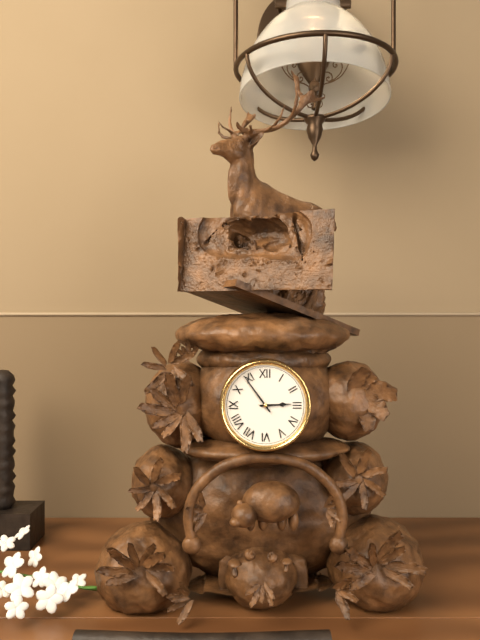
2 h 54 min
